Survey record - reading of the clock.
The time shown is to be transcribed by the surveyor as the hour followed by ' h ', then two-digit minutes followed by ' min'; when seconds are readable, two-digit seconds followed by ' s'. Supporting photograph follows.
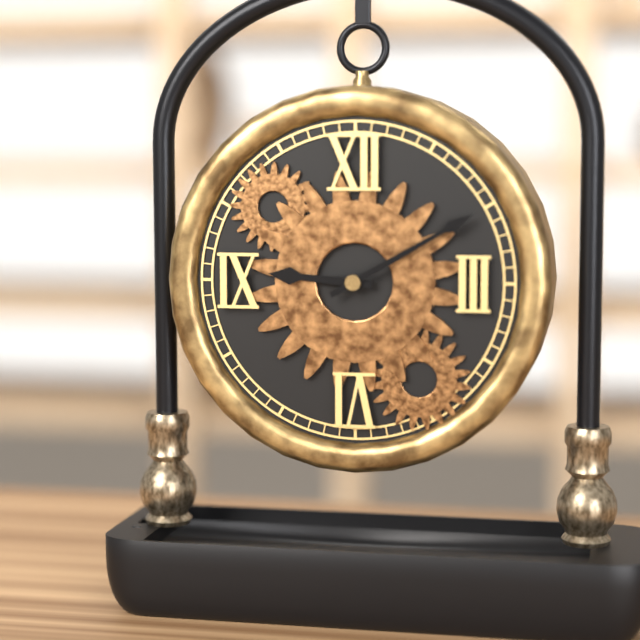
9 h 10 min
